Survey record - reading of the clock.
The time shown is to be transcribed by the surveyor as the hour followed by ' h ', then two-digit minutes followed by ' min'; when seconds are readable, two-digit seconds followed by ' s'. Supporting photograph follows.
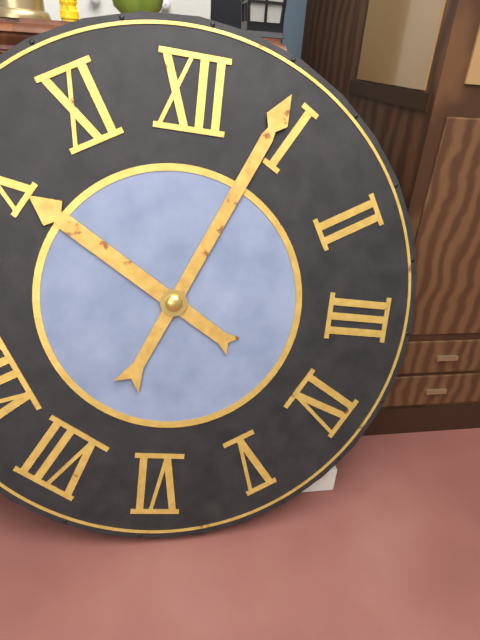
10 h 04 min
